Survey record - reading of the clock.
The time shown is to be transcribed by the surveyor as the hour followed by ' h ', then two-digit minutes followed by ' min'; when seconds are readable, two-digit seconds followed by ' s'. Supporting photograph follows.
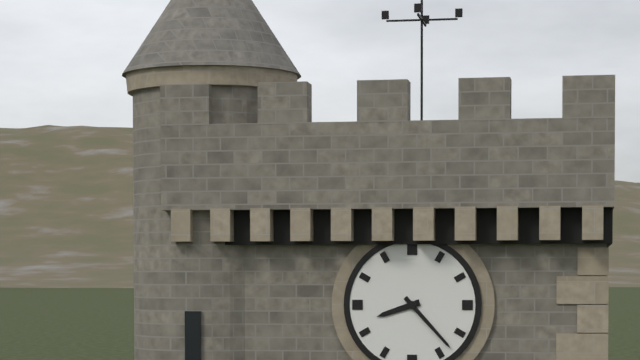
8 h 23 min
